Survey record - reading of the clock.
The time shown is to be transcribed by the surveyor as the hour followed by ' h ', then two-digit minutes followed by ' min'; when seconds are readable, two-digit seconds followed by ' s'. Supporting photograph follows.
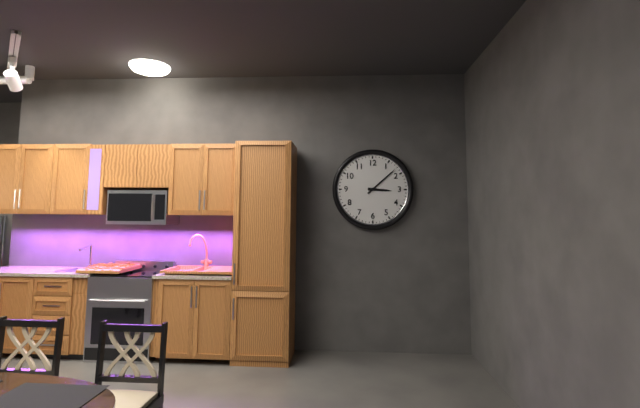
3 h 08 min
